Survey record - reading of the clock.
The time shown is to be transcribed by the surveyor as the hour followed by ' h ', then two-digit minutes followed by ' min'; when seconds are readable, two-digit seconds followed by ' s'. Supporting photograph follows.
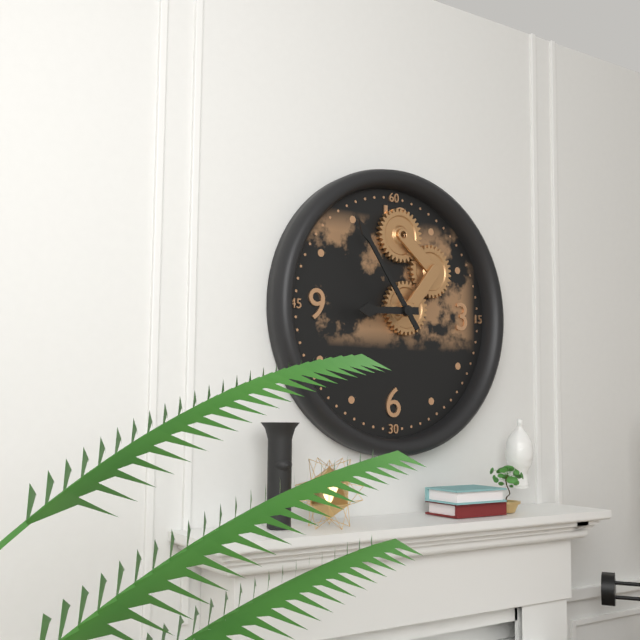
8 h 54 min
